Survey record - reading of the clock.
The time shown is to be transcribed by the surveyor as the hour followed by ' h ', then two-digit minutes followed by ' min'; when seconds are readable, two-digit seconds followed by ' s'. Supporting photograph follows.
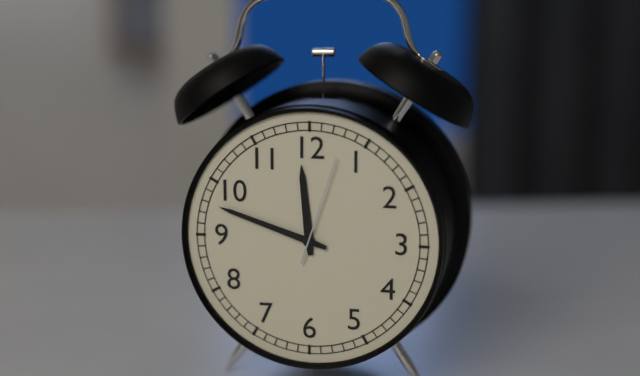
11 h 48 min 03 s
